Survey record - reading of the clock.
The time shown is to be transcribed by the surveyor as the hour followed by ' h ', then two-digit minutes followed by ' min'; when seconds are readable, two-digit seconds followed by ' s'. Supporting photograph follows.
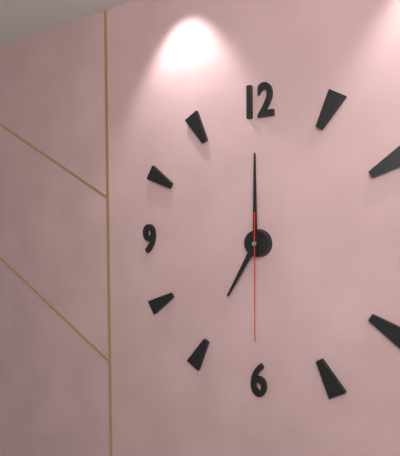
7 h 00 min 30 s
